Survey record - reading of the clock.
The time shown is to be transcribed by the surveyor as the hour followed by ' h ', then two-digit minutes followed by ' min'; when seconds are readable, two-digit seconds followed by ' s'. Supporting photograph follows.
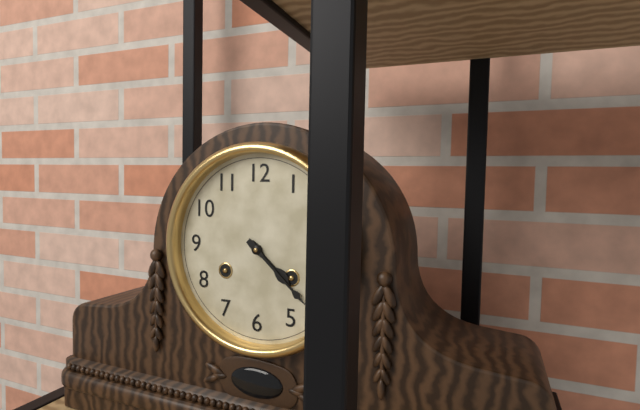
4 h 22 min
